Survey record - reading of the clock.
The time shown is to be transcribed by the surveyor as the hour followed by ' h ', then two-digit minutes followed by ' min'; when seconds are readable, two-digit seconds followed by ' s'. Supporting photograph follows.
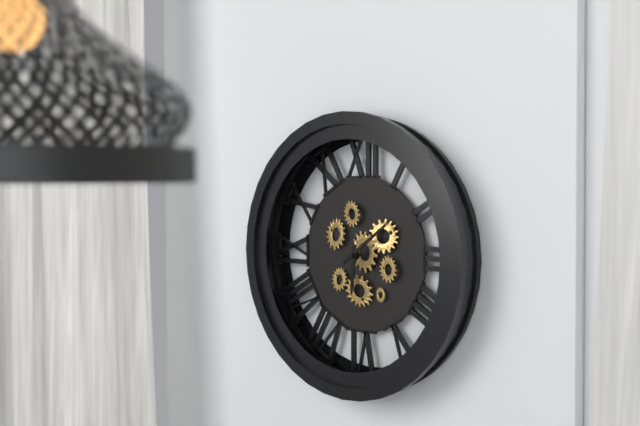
6 h 09 min
